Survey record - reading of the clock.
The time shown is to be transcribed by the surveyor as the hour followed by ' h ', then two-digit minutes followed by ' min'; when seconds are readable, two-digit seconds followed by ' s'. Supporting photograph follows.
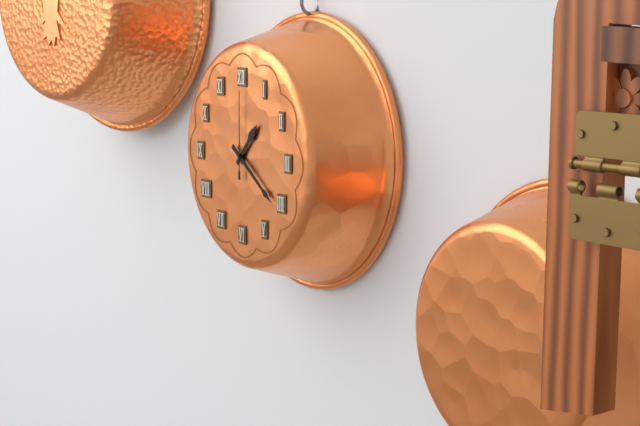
1 h 21 min 00 s
